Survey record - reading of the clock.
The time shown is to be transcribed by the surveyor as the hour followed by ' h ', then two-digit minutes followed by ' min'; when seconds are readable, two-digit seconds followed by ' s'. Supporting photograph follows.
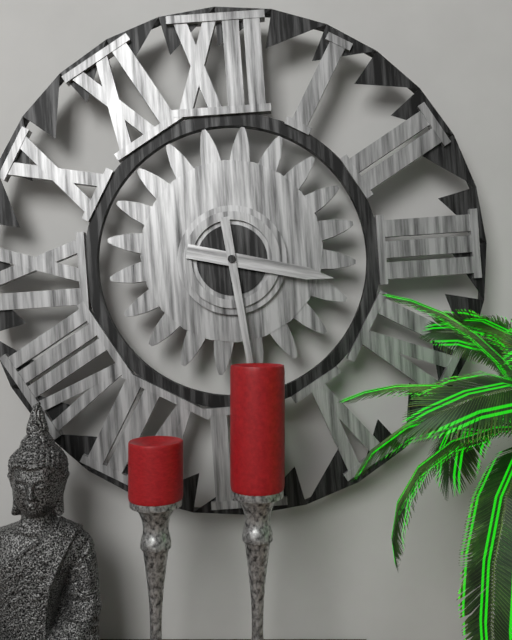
3 h 29 min
